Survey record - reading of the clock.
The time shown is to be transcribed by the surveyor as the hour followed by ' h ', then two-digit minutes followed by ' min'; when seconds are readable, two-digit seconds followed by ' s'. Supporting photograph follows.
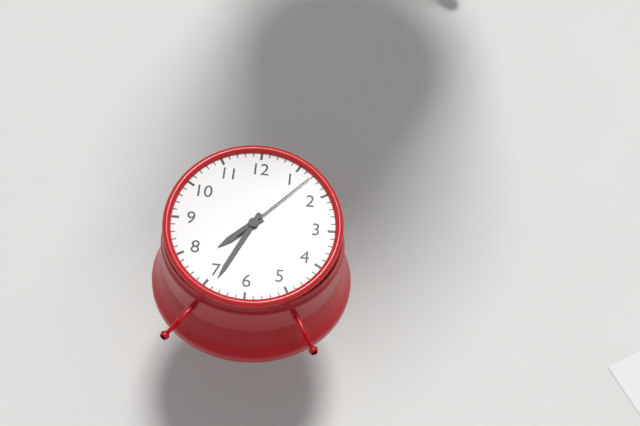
7 h 34 min 07 s
